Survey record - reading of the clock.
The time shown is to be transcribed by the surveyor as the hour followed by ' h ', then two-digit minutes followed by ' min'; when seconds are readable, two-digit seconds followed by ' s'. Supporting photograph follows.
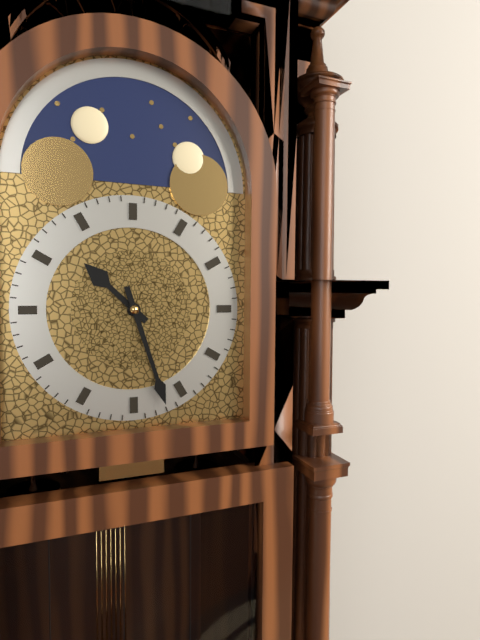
10 h 27 min
